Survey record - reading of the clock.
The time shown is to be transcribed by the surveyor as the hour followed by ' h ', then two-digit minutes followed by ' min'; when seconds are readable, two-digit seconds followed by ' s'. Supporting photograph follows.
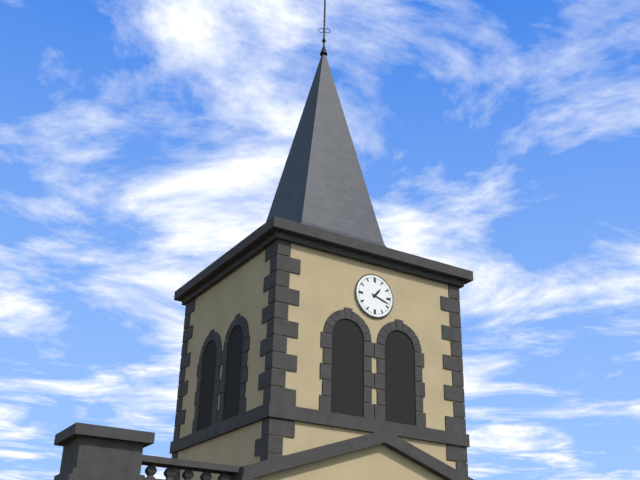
1 h 18 min
